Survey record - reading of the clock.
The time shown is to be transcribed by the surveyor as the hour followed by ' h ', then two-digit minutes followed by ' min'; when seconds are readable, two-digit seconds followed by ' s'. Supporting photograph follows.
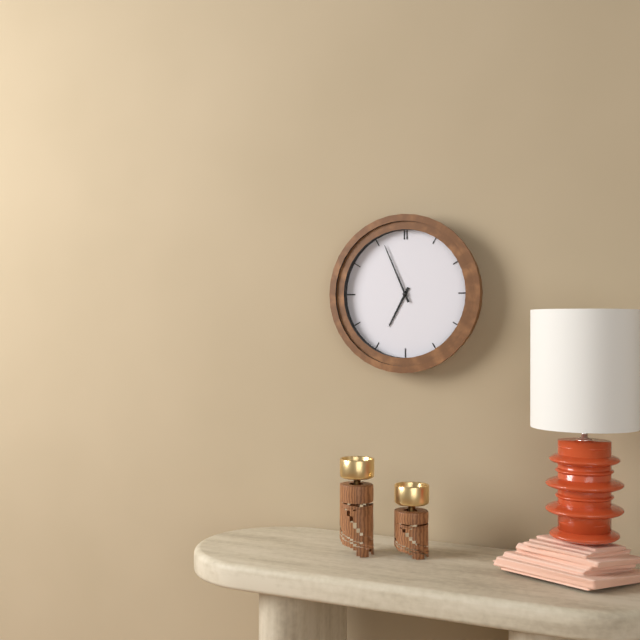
6 h 56 min
